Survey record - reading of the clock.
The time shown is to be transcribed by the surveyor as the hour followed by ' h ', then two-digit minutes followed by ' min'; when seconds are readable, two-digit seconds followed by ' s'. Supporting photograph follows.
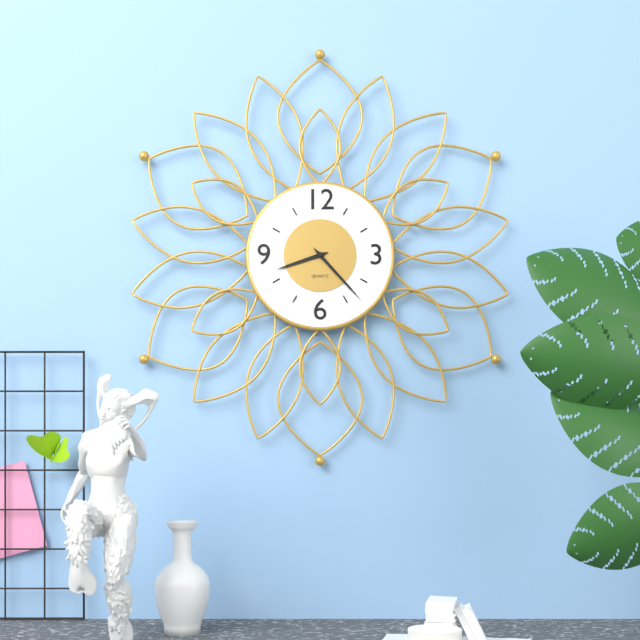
8 h 23 min
